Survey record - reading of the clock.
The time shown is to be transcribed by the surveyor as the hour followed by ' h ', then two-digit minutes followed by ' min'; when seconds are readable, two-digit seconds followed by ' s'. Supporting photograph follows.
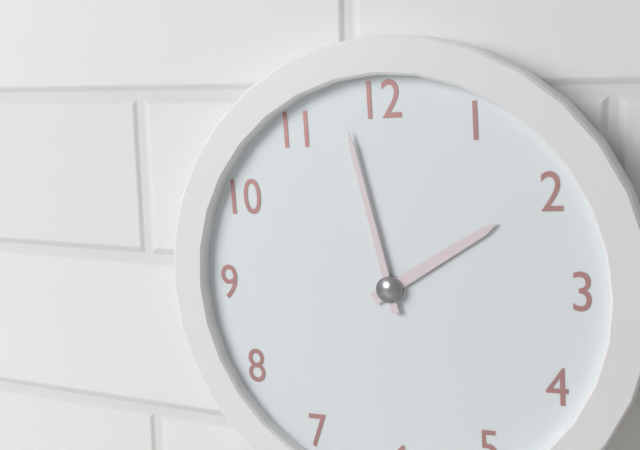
1 h 58 min
